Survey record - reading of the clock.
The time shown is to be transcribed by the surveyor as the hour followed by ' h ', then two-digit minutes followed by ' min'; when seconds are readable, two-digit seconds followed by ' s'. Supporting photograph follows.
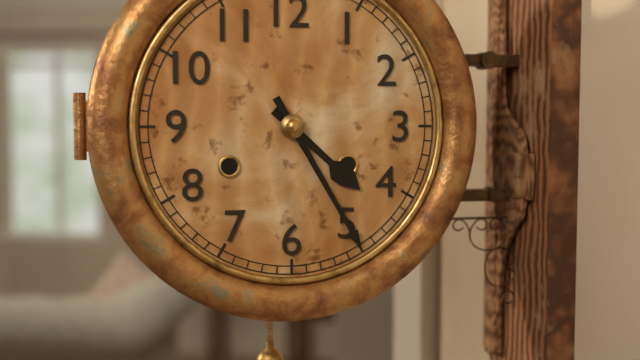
4 h 25 min
